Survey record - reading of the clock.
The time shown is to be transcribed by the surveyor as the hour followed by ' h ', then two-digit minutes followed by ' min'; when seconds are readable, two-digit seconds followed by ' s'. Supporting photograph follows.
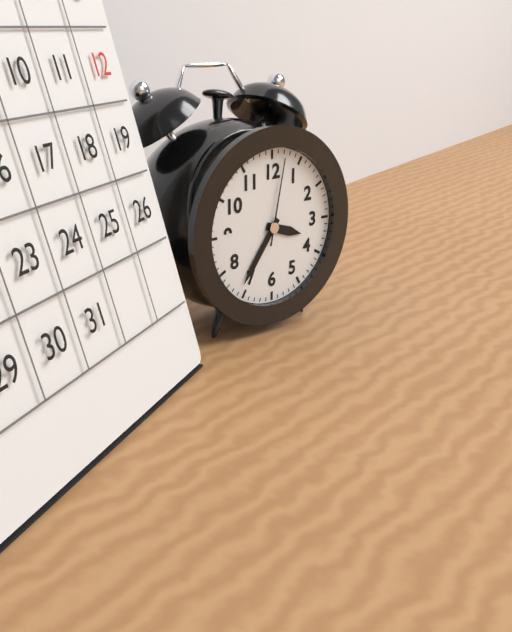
3 h 36 min 02 s
